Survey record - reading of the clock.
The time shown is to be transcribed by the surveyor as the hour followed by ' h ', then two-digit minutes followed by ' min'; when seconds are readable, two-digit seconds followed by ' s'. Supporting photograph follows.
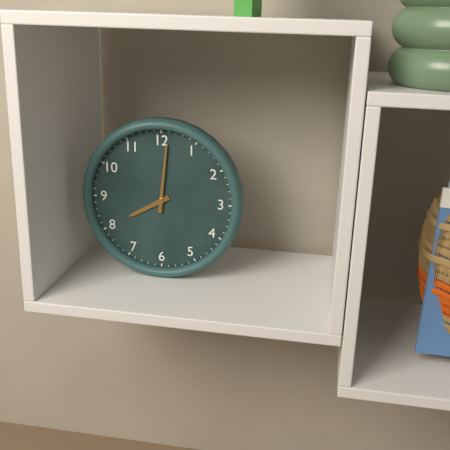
8 h 01 min
